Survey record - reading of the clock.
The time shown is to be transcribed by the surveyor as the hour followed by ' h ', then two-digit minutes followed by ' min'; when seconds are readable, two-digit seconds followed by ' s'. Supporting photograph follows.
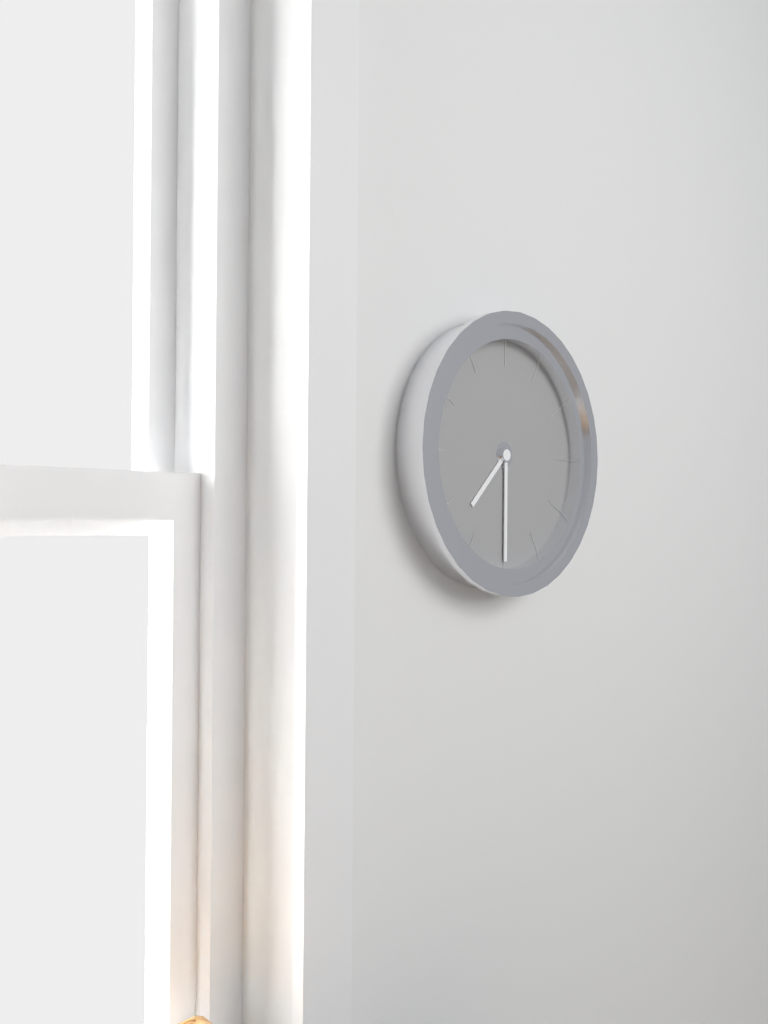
7 h 30 min
